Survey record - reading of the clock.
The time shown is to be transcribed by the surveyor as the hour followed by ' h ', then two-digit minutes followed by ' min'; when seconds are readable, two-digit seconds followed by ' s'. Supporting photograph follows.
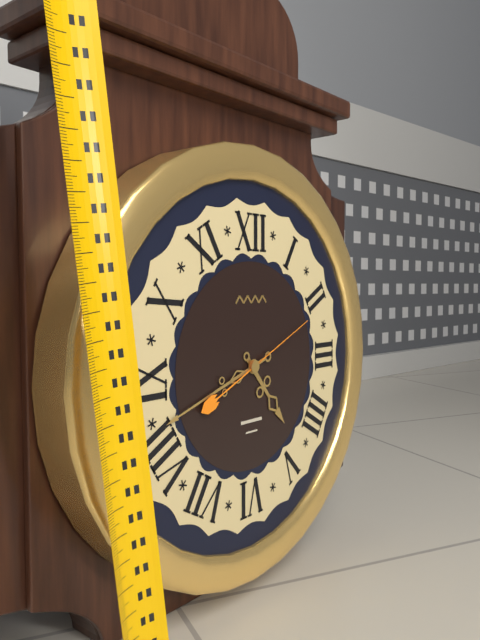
4 h 42 min 11 s
